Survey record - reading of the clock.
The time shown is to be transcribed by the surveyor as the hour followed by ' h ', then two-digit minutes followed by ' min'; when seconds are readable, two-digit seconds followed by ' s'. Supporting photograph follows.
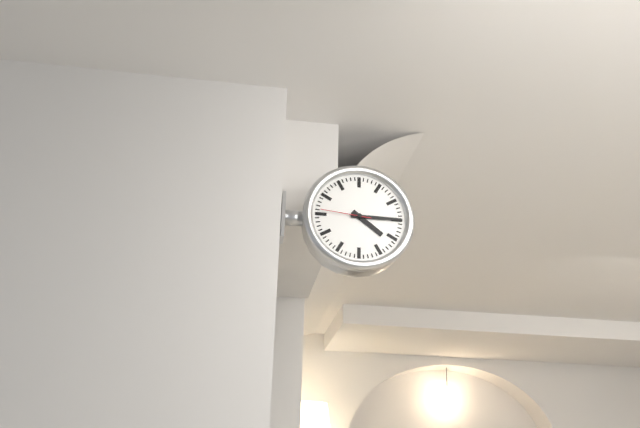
4 h 15 min
